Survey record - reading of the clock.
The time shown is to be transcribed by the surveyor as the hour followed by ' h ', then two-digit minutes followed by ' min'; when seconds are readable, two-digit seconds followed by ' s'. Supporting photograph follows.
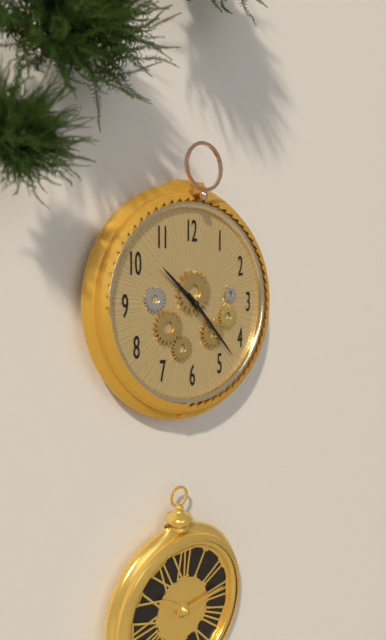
10 h 23 min
